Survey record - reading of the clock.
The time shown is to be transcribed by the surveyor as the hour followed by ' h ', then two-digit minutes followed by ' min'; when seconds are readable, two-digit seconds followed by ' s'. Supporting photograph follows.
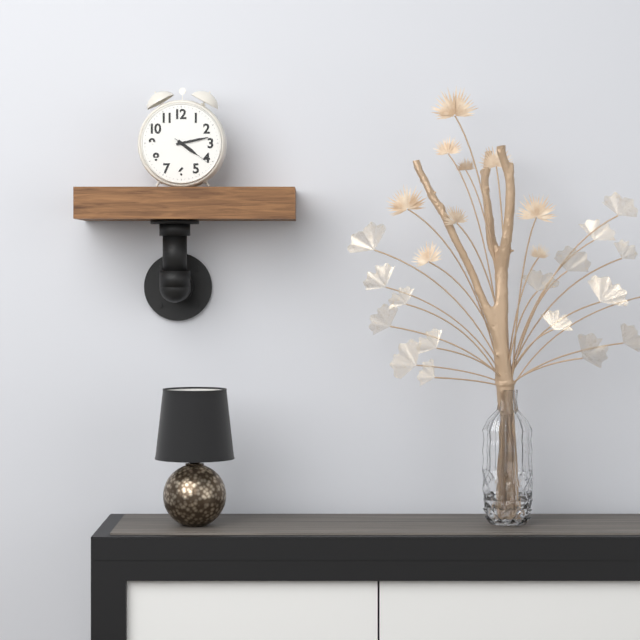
4 h 13 min
